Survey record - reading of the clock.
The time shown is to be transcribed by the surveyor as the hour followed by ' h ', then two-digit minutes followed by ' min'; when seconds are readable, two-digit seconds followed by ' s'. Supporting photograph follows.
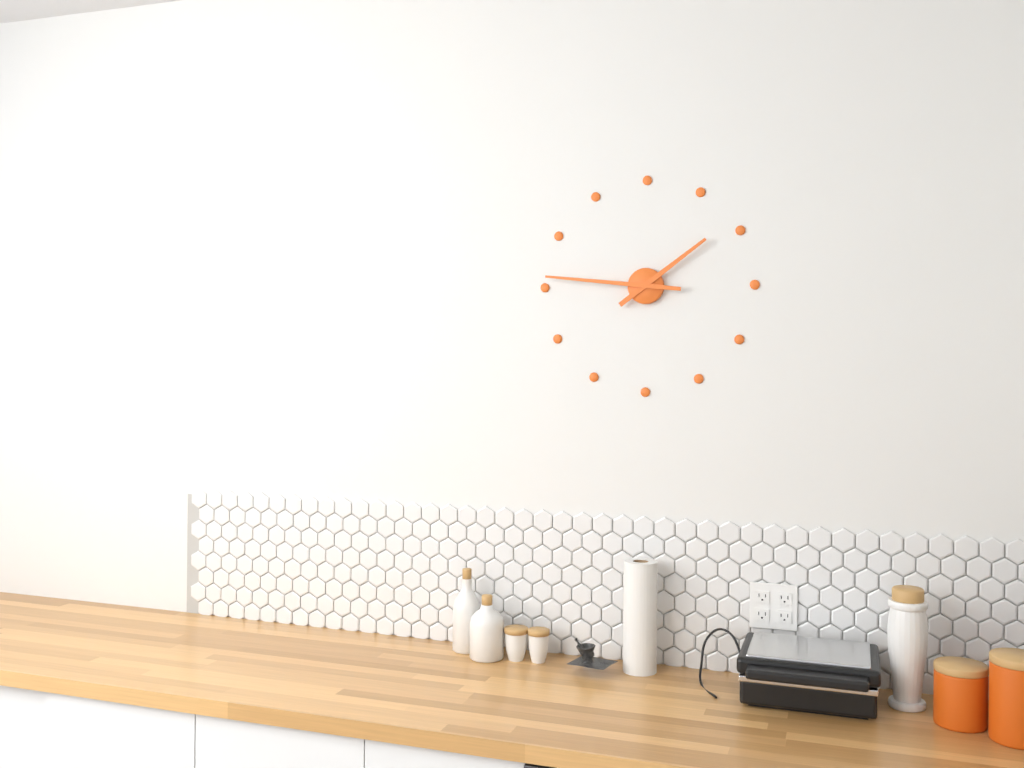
1 h 46 min
